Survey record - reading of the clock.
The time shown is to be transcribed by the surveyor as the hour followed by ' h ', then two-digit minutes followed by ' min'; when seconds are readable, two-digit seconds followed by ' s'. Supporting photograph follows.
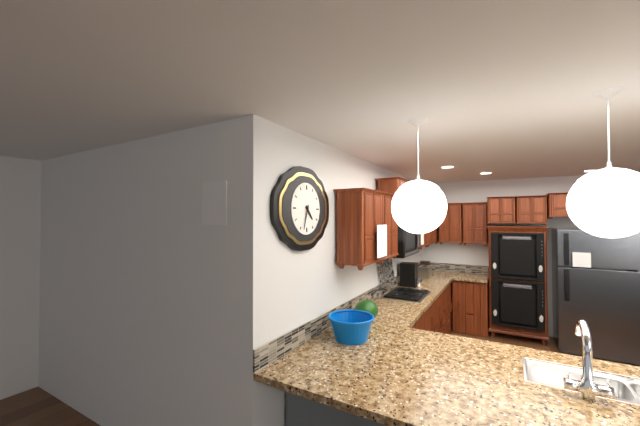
4 h 33 min
